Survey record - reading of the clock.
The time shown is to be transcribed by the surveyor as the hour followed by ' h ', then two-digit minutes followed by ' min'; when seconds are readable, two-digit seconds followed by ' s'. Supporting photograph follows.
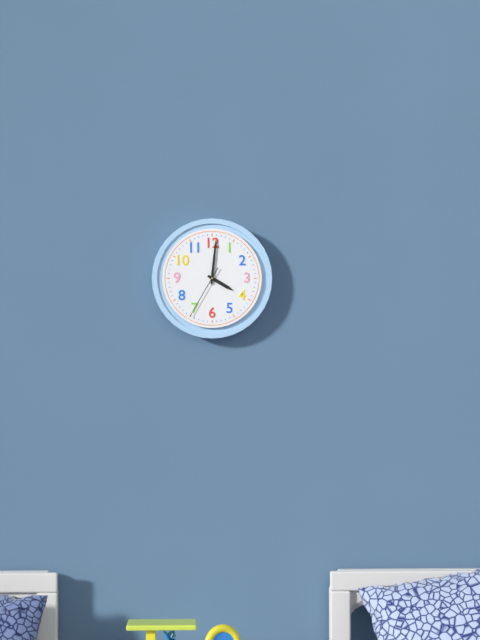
4 h 01 min 35 s
